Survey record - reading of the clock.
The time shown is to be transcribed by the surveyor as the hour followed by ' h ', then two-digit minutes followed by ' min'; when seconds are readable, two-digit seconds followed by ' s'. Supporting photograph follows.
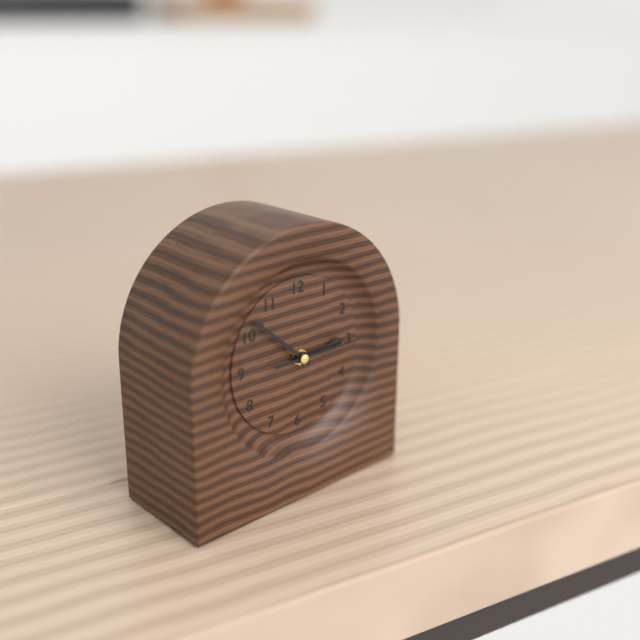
2 h 52 min 15 s
